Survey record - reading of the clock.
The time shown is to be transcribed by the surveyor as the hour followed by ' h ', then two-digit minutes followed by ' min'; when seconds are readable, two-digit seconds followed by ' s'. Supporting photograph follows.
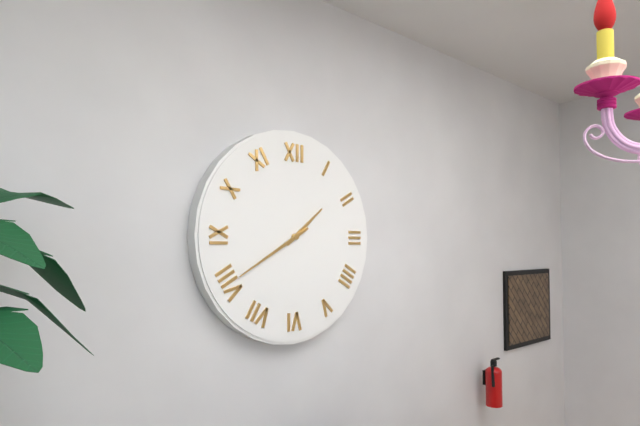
1 h 40 min
